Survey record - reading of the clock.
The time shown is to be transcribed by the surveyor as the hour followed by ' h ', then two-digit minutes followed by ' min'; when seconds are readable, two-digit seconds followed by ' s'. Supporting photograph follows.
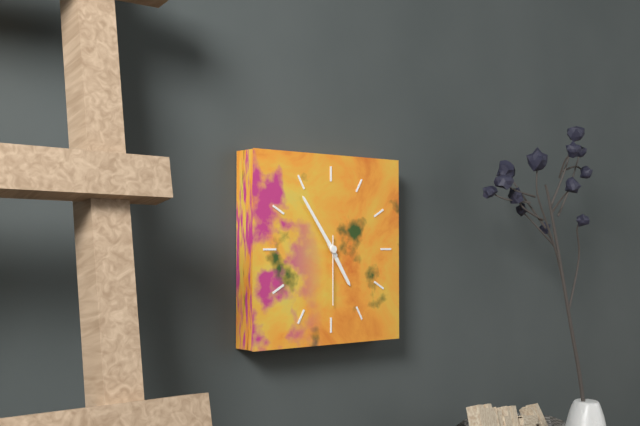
4 h 54 min 30 s
